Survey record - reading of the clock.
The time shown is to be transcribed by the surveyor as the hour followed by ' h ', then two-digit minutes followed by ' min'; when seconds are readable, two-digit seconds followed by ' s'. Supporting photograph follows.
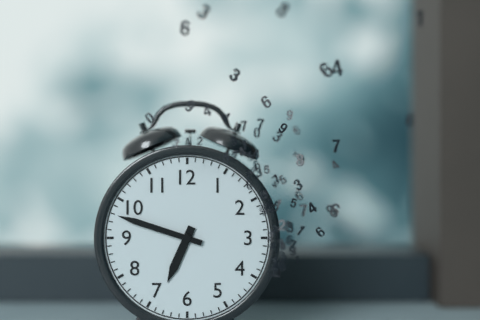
6 h 48 min
